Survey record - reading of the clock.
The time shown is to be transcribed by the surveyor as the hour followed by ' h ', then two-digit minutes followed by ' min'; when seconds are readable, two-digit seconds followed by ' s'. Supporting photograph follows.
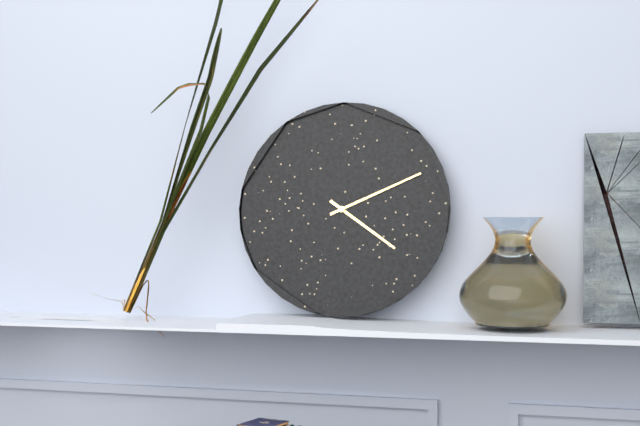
4 h 11 min
